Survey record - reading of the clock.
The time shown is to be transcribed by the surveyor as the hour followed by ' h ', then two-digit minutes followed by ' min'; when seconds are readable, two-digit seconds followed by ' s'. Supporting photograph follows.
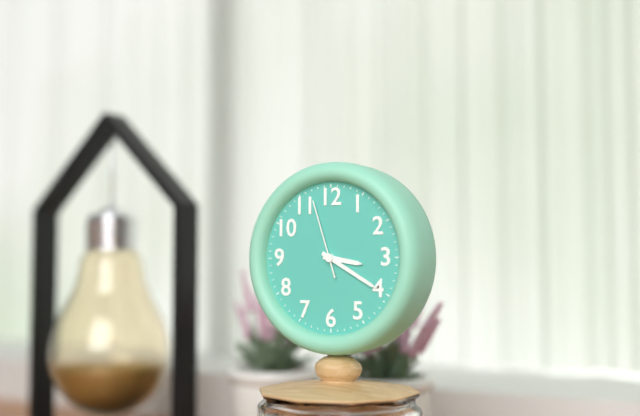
3 h 20 min 57 s
